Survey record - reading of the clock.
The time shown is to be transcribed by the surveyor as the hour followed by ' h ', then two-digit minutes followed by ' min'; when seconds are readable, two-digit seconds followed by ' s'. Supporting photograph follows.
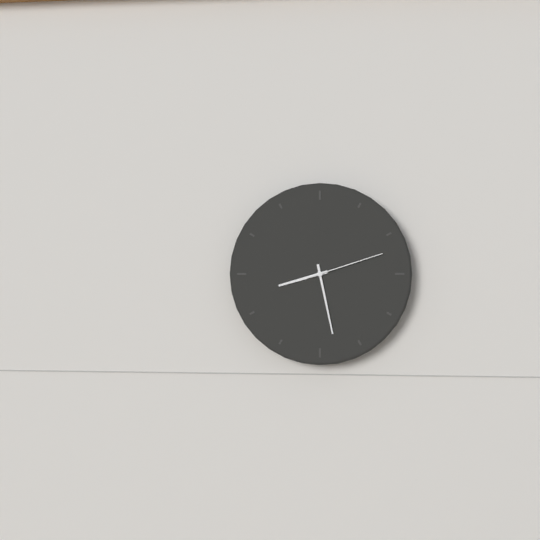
8 h 28 min 12 s
